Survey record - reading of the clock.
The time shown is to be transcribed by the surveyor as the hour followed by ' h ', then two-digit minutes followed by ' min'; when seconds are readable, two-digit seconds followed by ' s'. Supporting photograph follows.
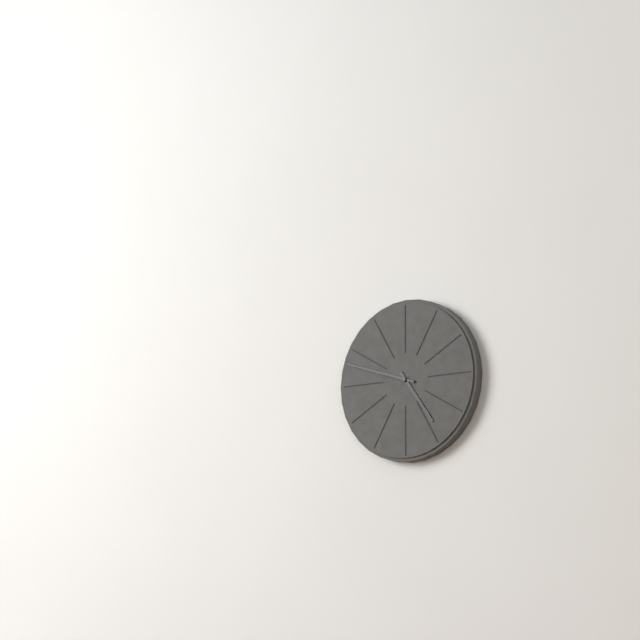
4 h 48 min
